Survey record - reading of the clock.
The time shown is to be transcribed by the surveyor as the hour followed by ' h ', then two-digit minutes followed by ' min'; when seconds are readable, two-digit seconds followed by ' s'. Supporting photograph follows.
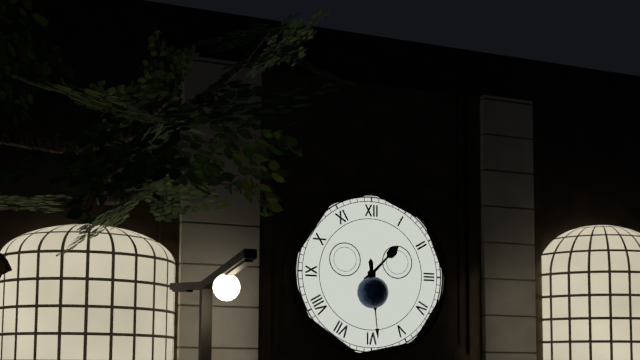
1 h 29 min
